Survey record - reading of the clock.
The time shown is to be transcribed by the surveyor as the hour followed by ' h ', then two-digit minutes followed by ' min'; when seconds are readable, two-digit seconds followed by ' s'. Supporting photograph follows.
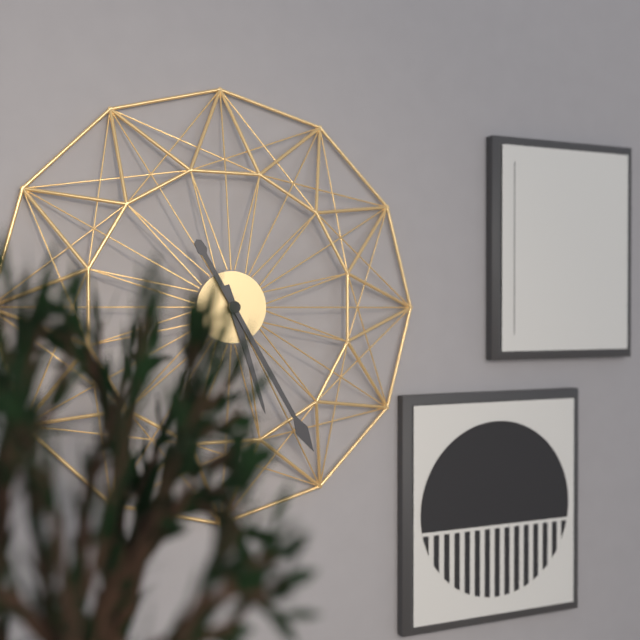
5 h 25 min
